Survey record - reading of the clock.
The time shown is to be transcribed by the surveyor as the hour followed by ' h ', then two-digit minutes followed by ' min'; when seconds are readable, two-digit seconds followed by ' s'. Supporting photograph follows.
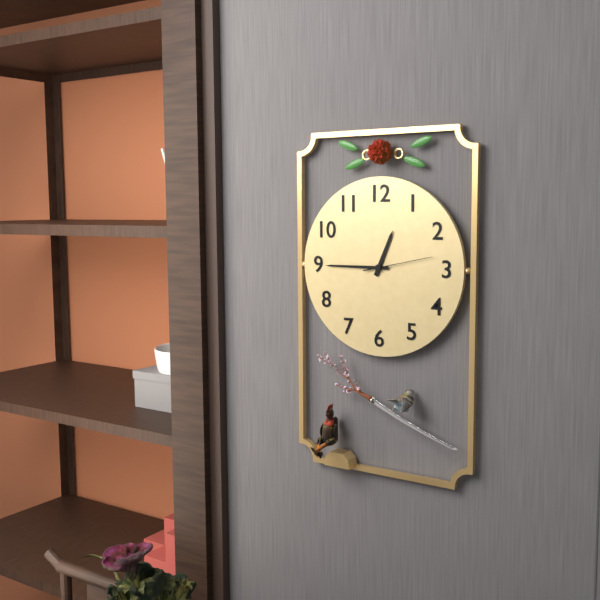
12 h 45 min 13 s
